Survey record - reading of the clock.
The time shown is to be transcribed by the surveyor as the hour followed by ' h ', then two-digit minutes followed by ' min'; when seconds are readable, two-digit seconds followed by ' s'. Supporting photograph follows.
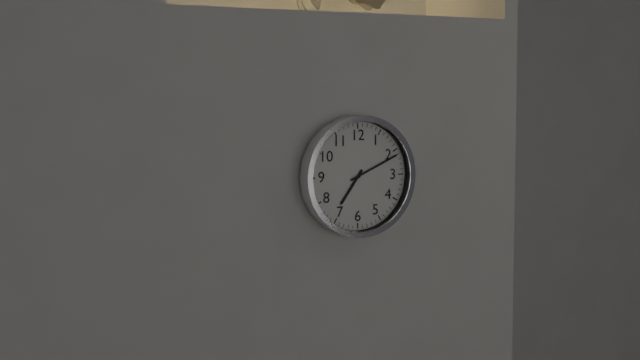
7 h 11 min
